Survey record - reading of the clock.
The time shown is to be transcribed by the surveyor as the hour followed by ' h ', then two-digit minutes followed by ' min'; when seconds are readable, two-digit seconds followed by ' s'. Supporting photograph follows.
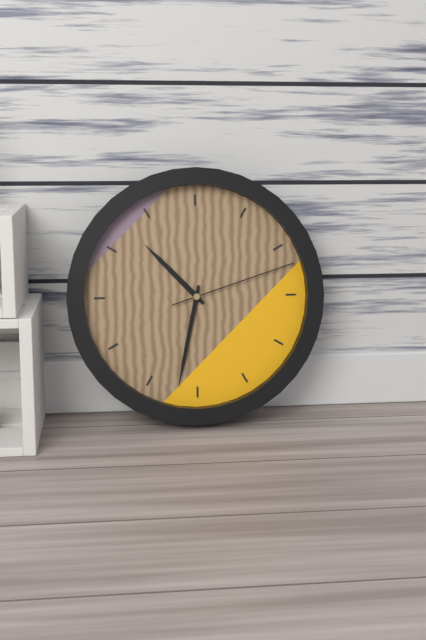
10 h 32 min 12 s
